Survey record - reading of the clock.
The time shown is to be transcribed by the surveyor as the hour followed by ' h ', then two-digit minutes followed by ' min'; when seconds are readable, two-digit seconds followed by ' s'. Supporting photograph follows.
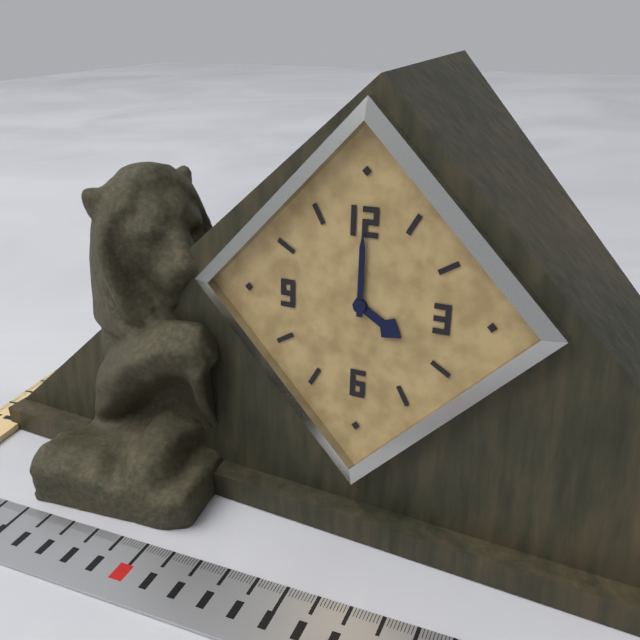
4 h 00 min
